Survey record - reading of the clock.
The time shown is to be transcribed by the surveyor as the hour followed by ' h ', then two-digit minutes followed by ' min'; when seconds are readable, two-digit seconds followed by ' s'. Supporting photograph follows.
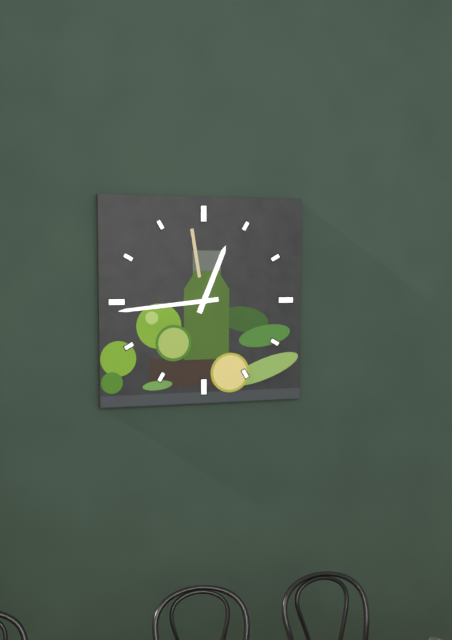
12 h 44 min
